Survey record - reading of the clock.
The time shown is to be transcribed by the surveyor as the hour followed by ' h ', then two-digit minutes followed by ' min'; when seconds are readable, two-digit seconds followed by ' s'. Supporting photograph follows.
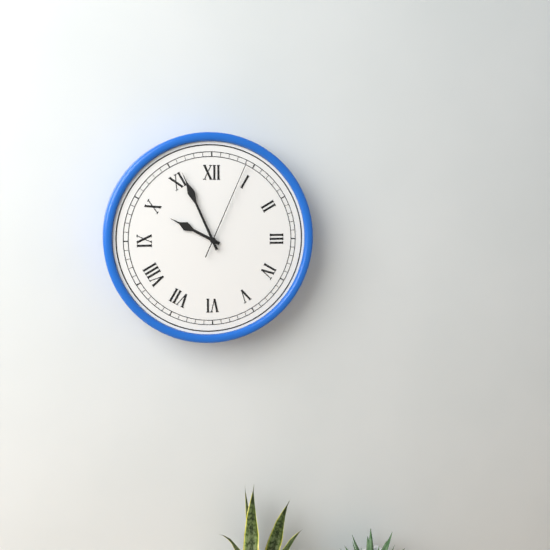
9 h 56 min 04 s
